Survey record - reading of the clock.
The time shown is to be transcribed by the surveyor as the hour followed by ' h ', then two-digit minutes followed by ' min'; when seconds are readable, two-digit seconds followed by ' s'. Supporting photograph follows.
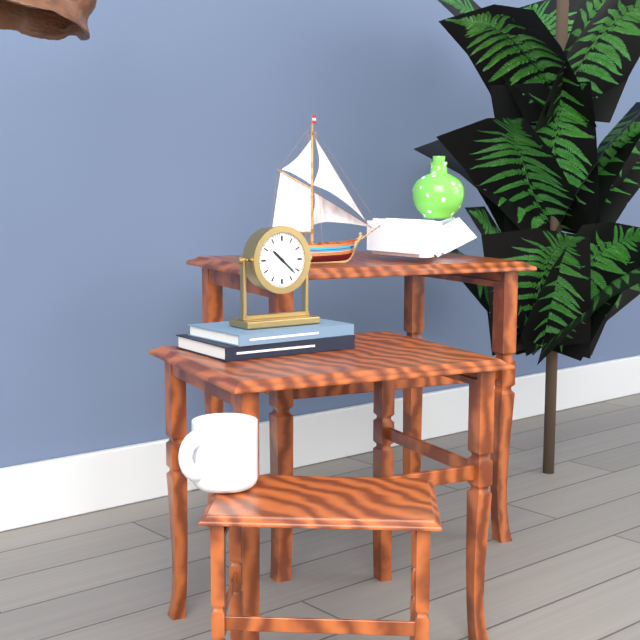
10 h 22 min
